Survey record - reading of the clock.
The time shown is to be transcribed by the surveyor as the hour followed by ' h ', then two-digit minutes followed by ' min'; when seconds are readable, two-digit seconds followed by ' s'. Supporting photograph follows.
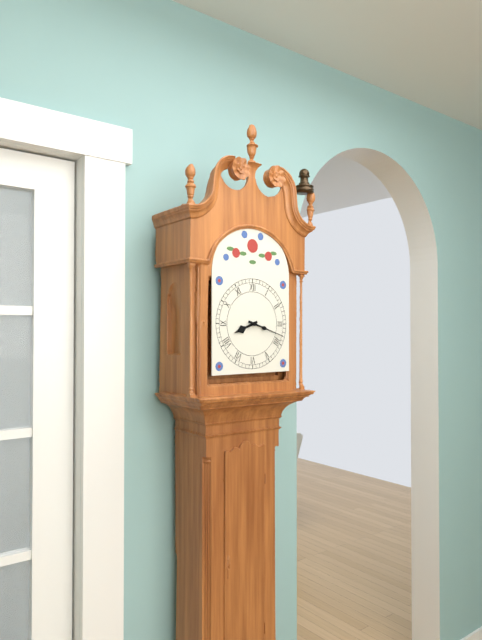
8 h 18 min
